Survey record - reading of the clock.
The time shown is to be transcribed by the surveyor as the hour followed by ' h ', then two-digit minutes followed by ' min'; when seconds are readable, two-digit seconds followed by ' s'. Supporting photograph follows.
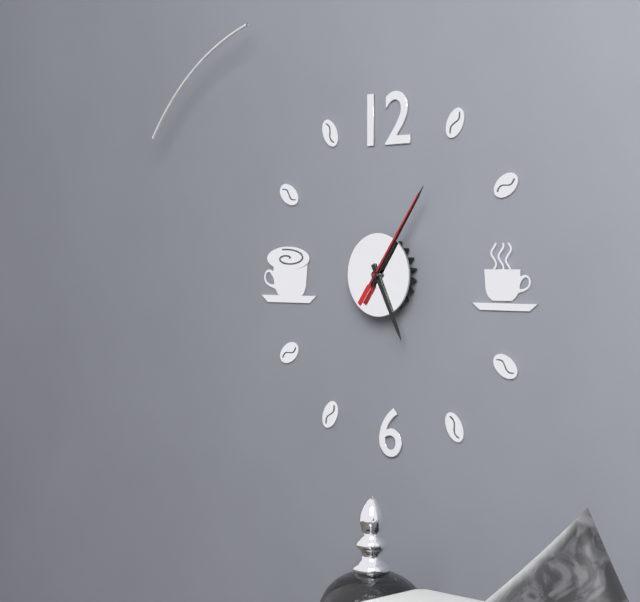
5 h 06 min 06 s
